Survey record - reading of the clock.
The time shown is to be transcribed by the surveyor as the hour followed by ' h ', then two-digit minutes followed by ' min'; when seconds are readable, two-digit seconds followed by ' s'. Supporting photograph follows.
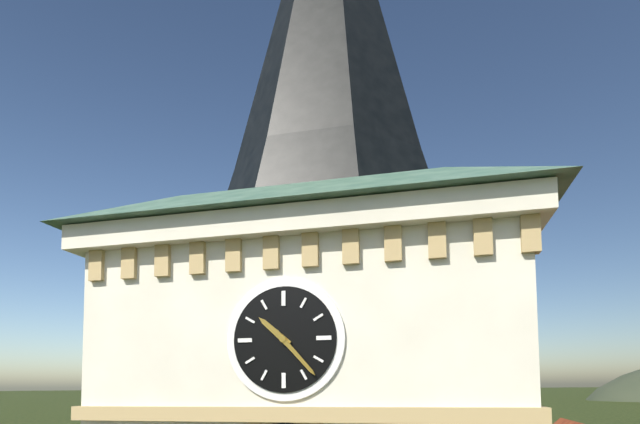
10 h 23 min
